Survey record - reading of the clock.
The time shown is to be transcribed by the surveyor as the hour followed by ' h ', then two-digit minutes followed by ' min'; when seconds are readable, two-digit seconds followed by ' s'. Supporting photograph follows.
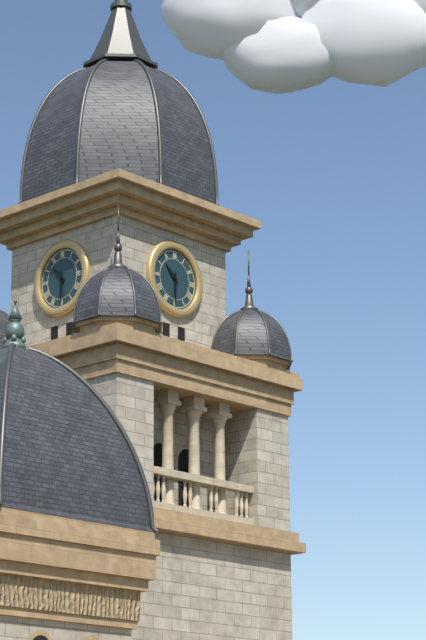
10 h 30 min
